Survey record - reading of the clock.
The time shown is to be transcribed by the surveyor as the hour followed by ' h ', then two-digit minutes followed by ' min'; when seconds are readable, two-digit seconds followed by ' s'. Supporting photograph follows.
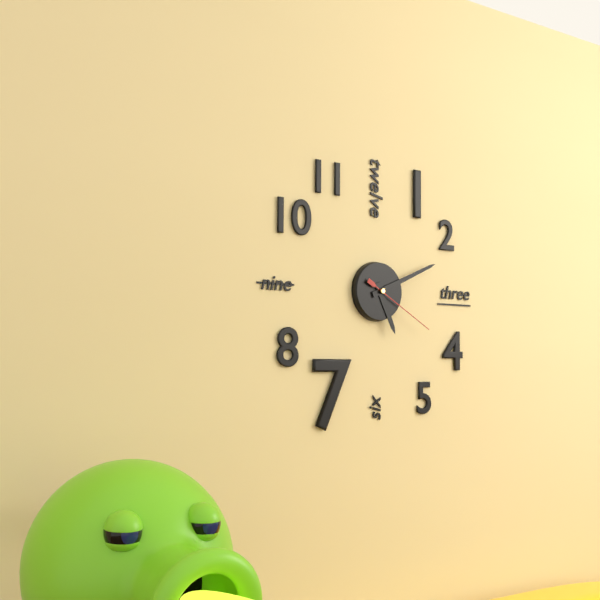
5 h 11 min 20 s
